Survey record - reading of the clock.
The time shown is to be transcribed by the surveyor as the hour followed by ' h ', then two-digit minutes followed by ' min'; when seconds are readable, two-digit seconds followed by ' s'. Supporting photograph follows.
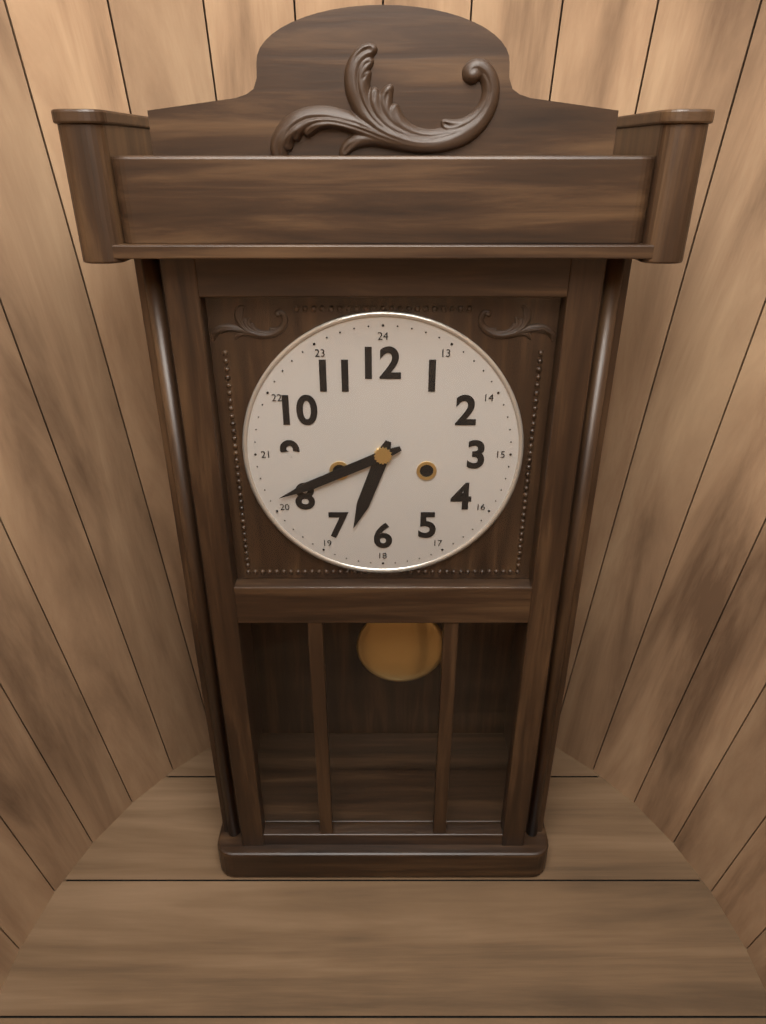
6 h 41 min
